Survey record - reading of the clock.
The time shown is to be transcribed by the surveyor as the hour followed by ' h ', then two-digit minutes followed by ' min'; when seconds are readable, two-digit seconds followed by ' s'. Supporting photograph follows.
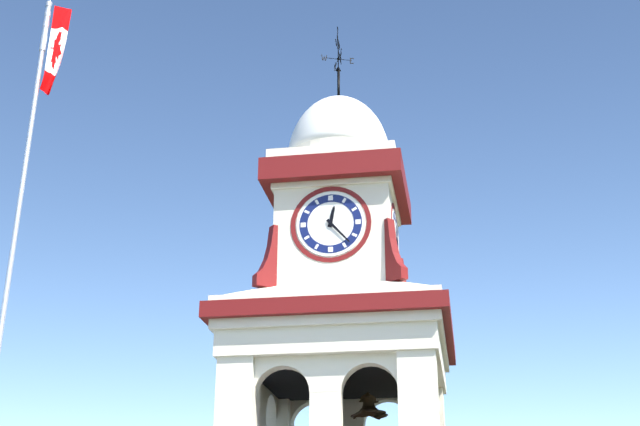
12 h 23 min
